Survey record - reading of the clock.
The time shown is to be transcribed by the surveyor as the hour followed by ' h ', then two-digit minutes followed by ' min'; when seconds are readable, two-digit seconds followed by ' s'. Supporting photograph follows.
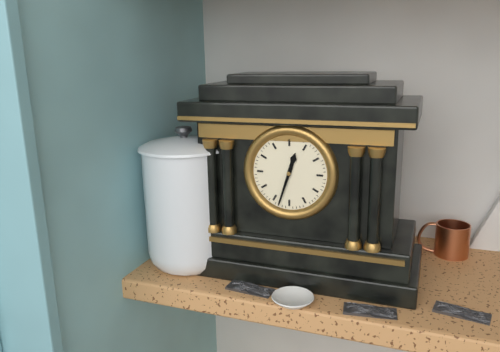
12 h 33 min
